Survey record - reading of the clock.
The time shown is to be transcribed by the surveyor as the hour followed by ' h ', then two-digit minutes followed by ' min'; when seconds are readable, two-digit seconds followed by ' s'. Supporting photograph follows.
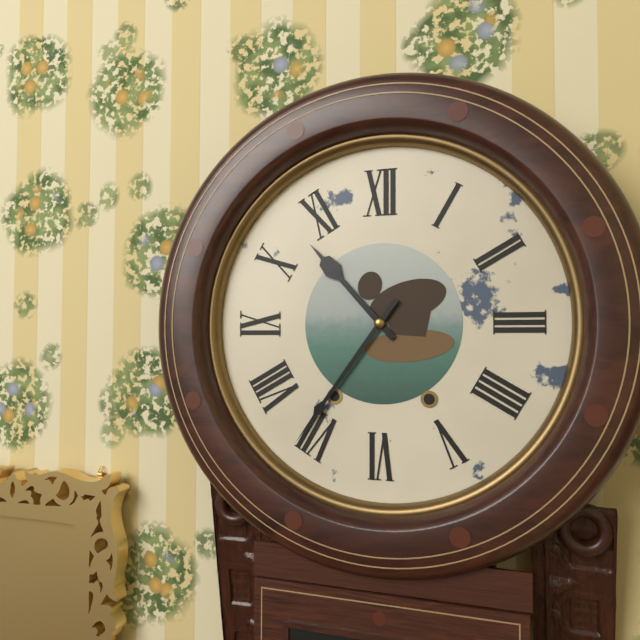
10 h 36 min
